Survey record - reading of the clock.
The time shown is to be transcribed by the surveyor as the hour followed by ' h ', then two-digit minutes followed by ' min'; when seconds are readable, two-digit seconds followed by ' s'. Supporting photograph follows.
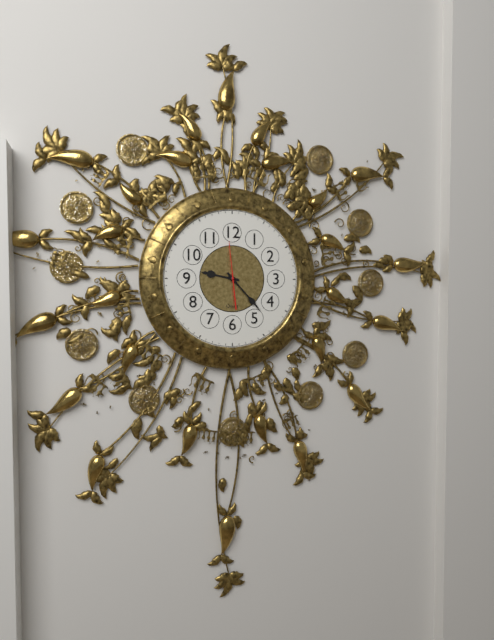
9 h 23 min
